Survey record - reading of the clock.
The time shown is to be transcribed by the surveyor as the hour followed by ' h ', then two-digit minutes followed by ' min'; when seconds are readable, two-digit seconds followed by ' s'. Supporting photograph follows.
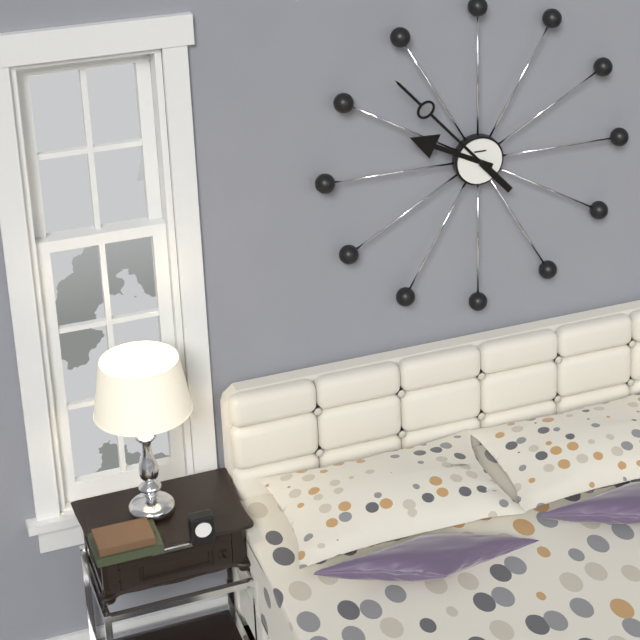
9 h 53 min
